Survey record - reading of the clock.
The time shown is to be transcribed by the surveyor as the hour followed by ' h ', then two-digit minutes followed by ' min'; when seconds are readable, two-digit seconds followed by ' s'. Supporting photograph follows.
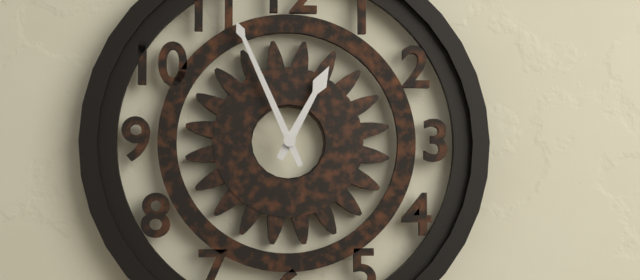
12 h 56 min
